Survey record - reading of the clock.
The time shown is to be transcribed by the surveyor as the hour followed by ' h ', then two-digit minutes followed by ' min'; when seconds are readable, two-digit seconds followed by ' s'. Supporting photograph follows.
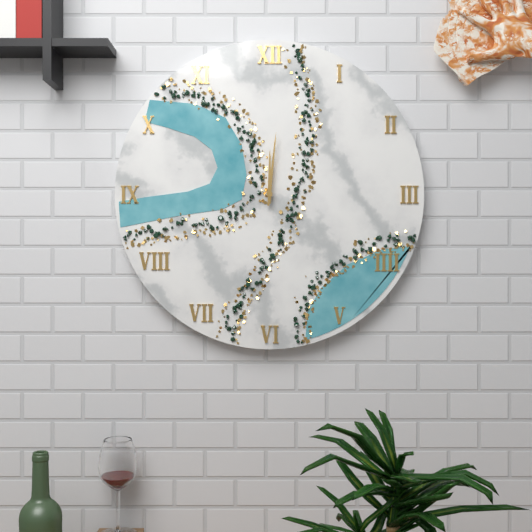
12 h 01 min
